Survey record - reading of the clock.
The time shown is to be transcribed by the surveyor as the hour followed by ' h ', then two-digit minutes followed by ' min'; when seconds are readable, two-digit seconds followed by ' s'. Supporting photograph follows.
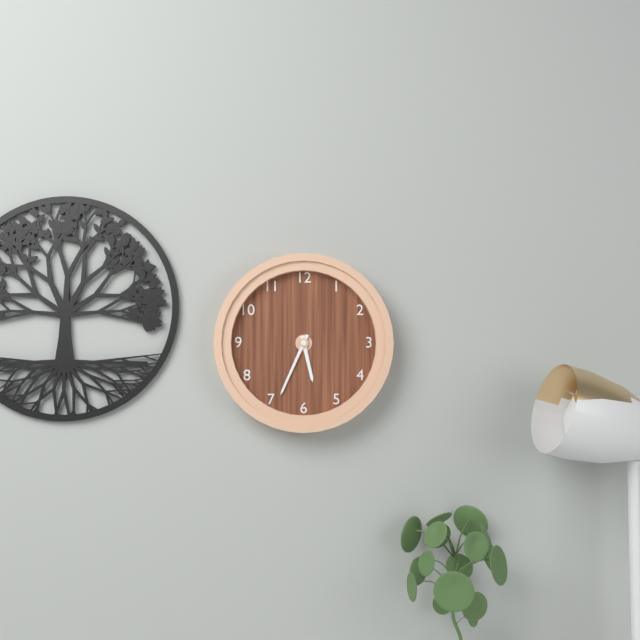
5 h 34 min
